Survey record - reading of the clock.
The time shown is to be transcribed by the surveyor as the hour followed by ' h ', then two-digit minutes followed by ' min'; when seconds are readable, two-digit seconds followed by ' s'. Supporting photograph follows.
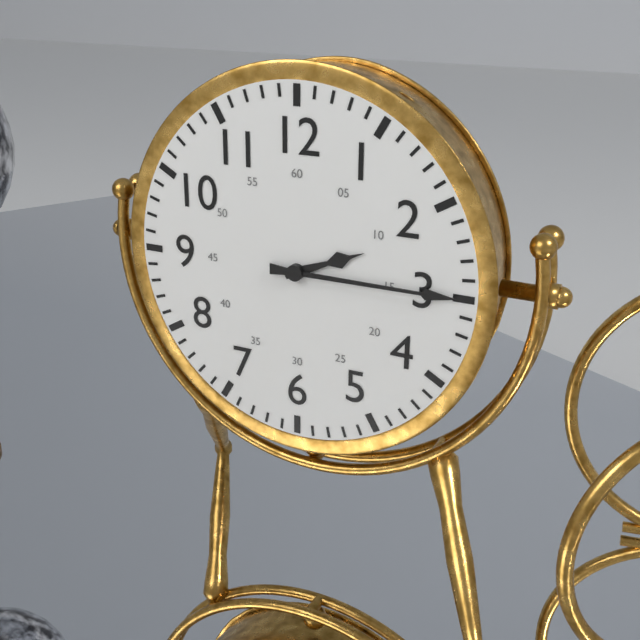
2 h 15 min
